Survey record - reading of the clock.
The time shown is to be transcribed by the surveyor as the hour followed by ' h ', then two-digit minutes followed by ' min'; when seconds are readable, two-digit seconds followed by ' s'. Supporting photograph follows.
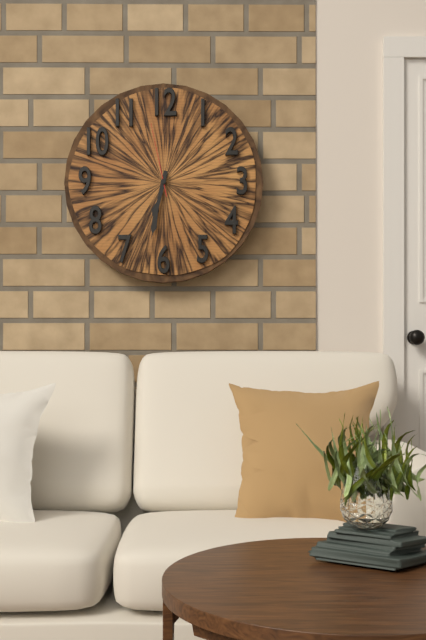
6 h 32 min 58 s
